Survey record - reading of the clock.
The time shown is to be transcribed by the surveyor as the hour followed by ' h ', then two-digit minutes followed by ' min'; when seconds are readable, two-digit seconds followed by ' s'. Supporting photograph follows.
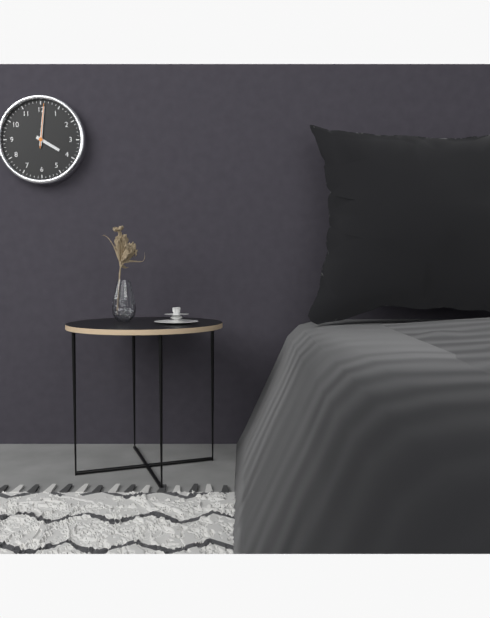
4 h 01 min
